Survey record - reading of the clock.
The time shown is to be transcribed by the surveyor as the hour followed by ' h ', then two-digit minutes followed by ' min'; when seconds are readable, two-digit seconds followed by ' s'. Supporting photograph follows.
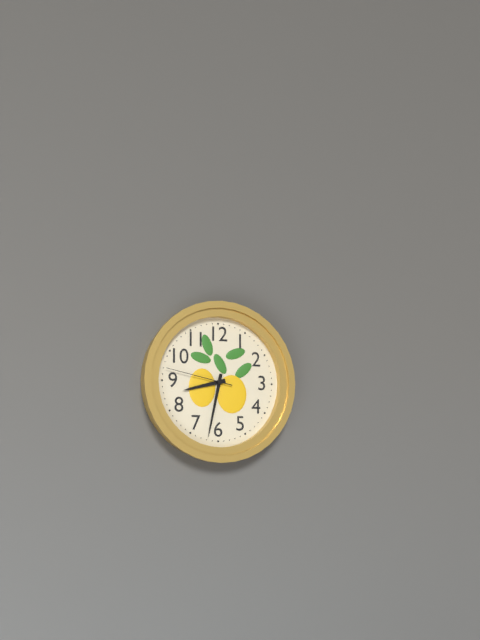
8 h 32 min 47 s
